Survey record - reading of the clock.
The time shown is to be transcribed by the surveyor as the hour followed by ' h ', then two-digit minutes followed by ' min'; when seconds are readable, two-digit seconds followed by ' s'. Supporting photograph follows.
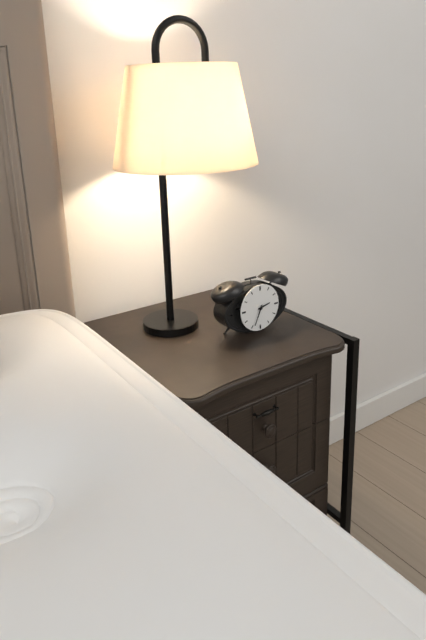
2 h 34 min
